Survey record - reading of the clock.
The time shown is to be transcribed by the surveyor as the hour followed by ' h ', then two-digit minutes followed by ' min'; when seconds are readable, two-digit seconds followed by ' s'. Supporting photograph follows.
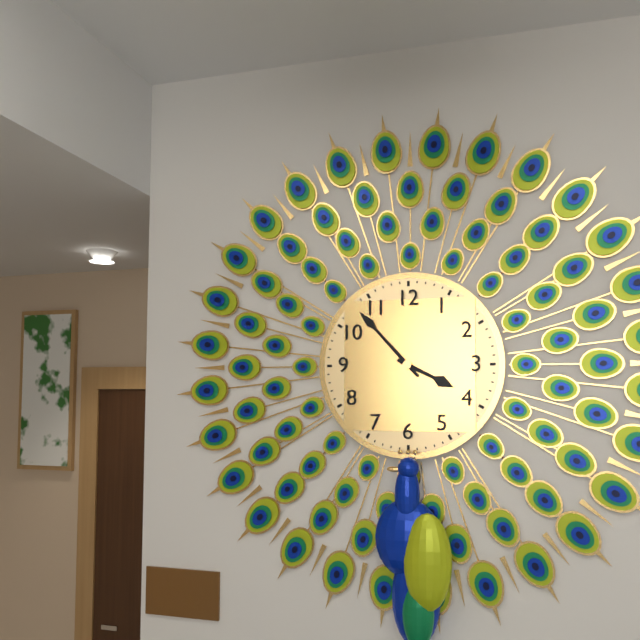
3 h 53 min
